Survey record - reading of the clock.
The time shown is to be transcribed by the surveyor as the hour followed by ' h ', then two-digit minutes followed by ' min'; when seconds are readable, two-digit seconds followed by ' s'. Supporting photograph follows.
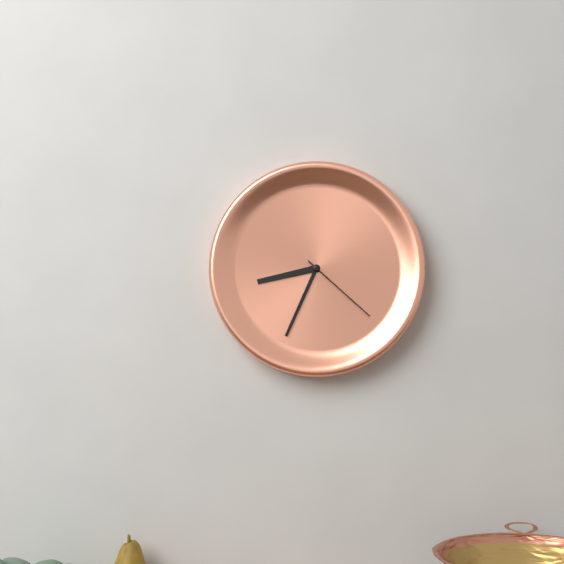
8 h 34 min 22 s
